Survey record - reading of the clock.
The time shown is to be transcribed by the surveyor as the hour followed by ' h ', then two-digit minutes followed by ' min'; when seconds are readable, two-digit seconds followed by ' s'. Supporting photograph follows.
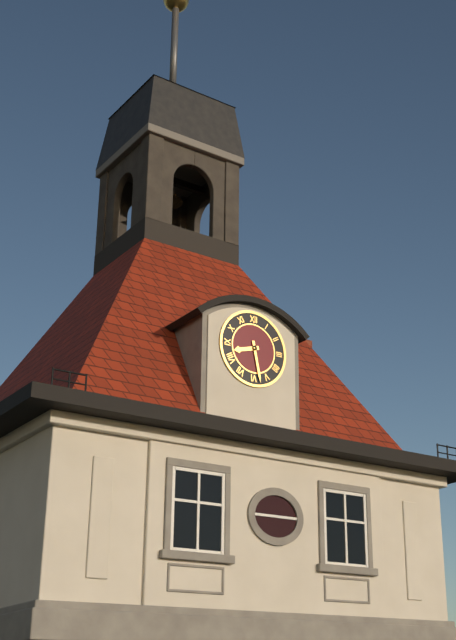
8 h 28 min
